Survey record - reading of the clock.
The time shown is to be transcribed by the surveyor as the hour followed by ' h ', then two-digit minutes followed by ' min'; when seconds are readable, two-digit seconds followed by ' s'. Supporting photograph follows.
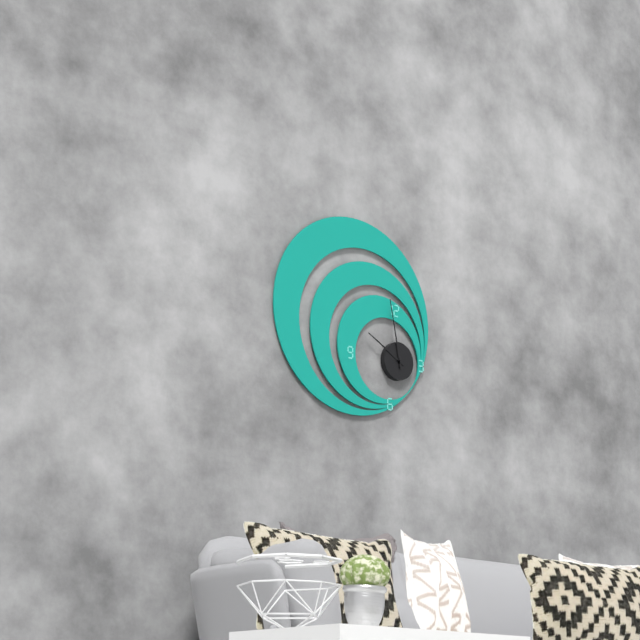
9 h 58 min
